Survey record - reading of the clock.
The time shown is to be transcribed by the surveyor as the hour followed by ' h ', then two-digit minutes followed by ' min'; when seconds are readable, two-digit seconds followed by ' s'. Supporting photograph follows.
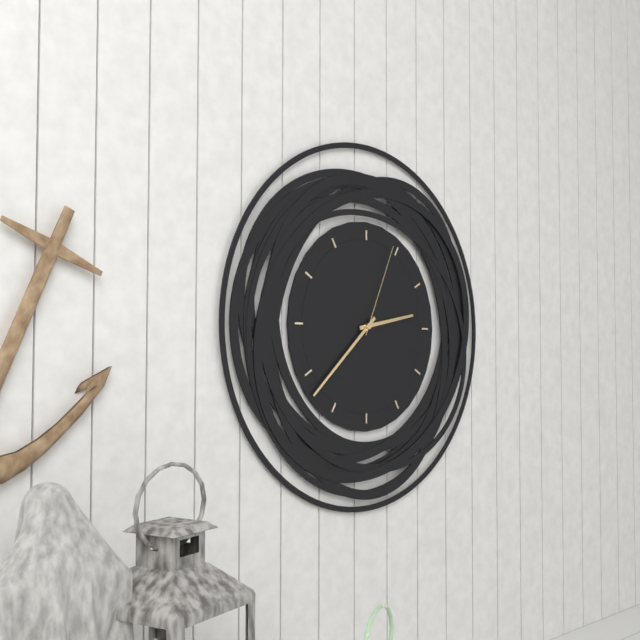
2 h 38 min 04 s
